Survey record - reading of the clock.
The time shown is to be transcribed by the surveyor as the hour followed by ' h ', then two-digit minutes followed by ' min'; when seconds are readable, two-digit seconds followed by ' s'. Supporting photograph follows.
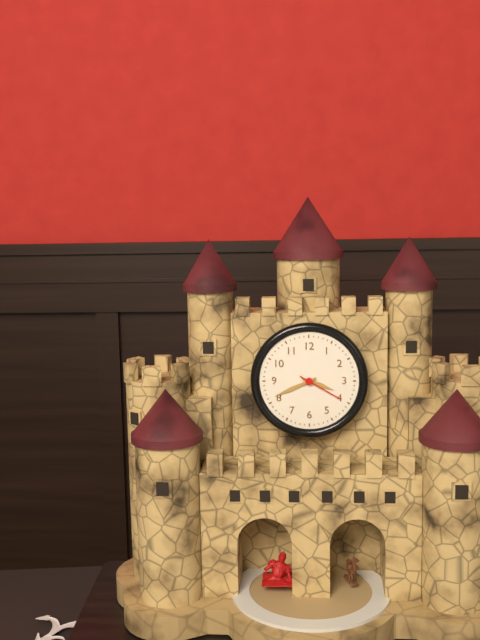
3 h 41 min
